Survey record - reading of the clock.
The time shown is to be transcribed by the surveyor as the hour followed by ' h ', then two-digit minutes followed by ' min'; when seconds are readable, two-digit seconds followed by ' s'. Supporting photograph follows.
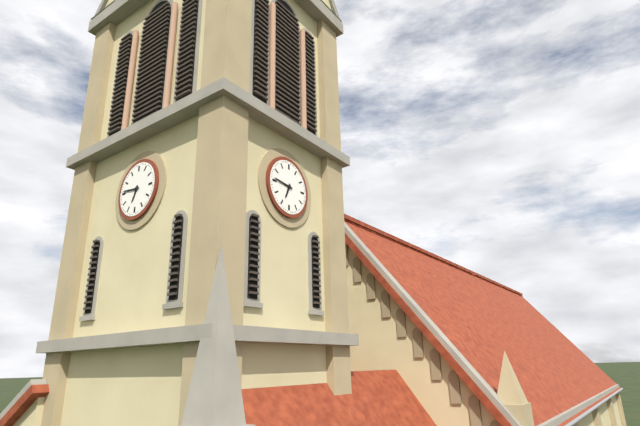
6 h 46 min
